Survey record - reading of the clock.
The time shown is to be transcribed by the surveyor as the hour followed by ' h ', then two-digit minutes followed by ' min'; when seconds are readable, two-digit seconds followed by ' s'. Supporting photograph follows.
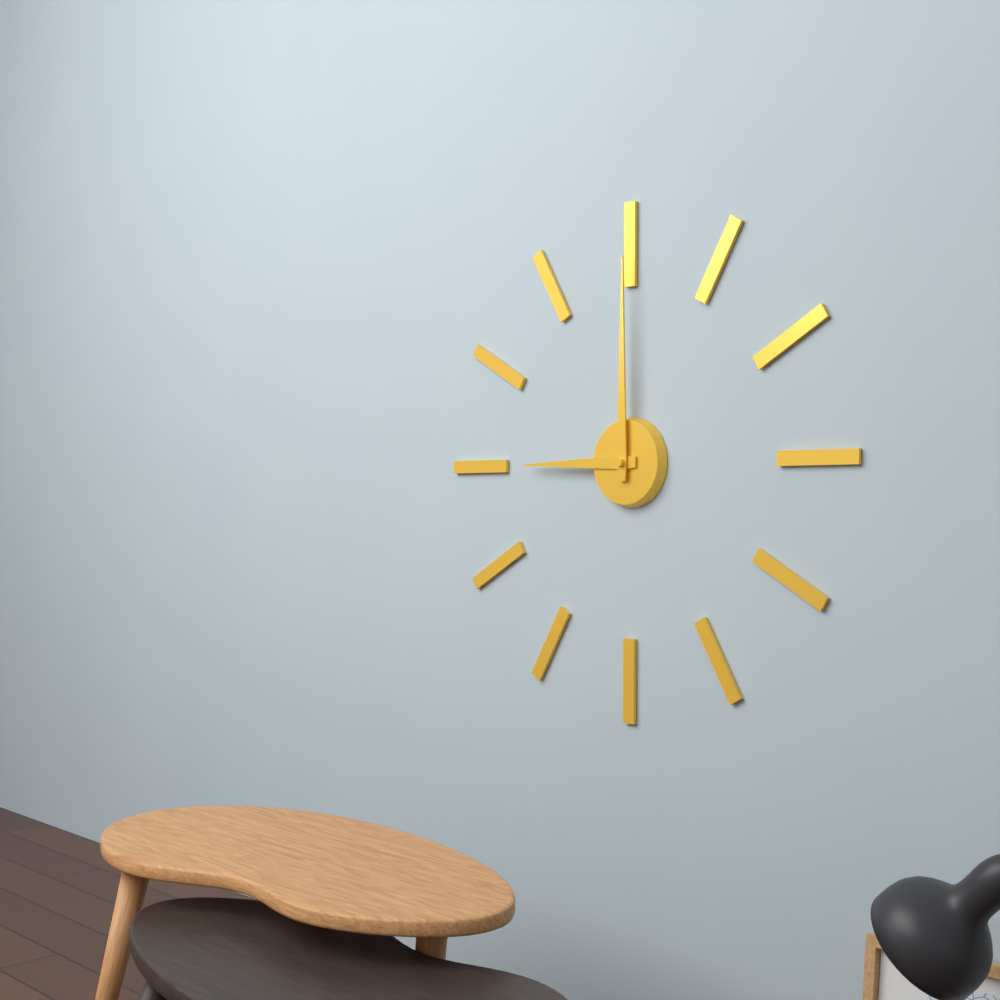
9 h 00 min
